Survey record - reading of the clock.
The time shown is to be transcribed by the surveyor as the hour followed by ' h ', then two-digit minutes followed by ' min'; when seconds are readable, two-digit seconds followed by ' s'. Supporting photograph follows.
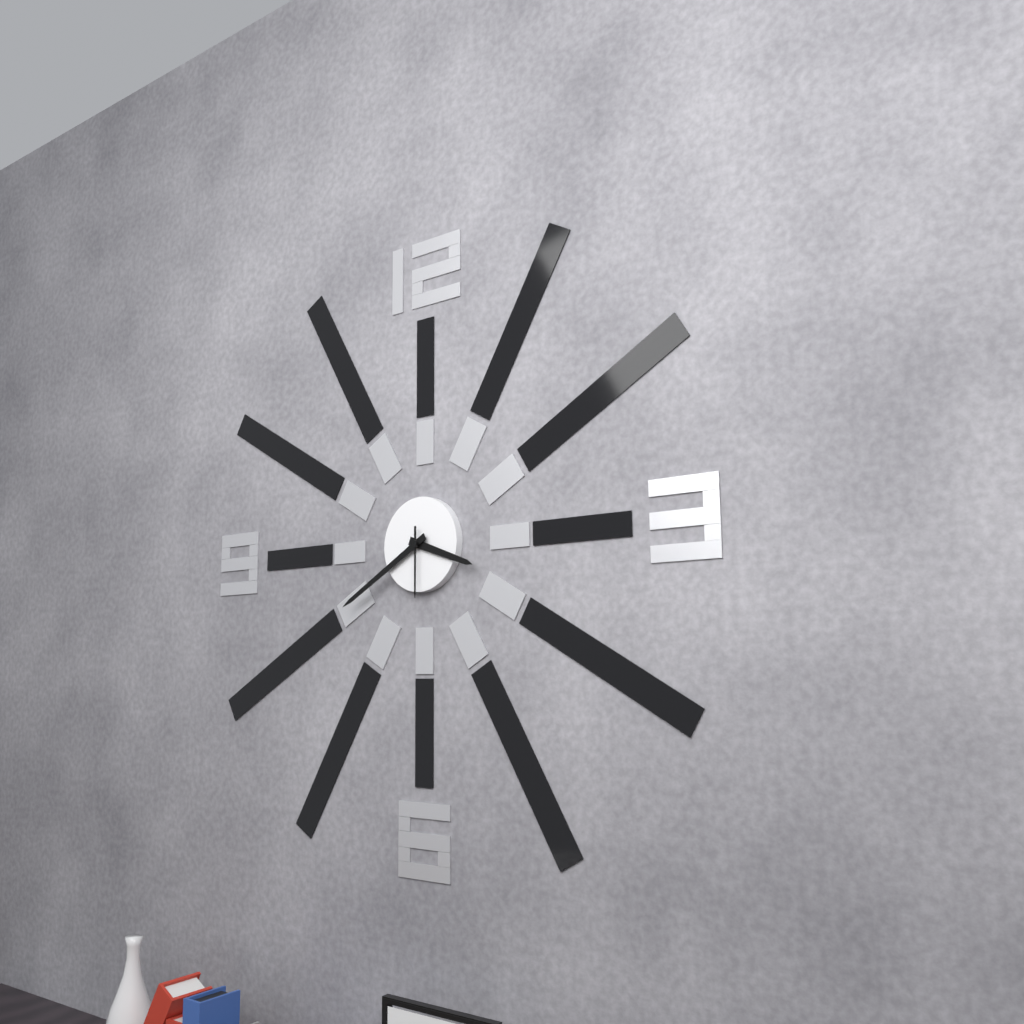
3 h 40 min 30 s
